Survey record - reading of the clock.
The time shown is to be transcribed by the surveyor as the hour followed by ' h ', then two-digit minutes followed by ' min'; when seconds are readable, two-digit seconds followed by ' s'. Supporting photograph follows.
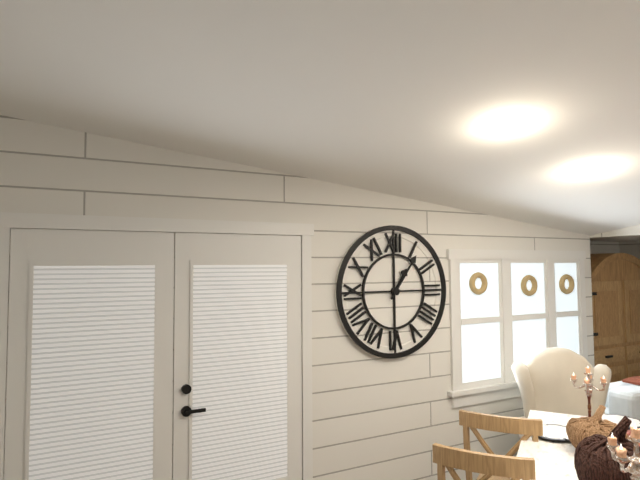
1 h 06 min
